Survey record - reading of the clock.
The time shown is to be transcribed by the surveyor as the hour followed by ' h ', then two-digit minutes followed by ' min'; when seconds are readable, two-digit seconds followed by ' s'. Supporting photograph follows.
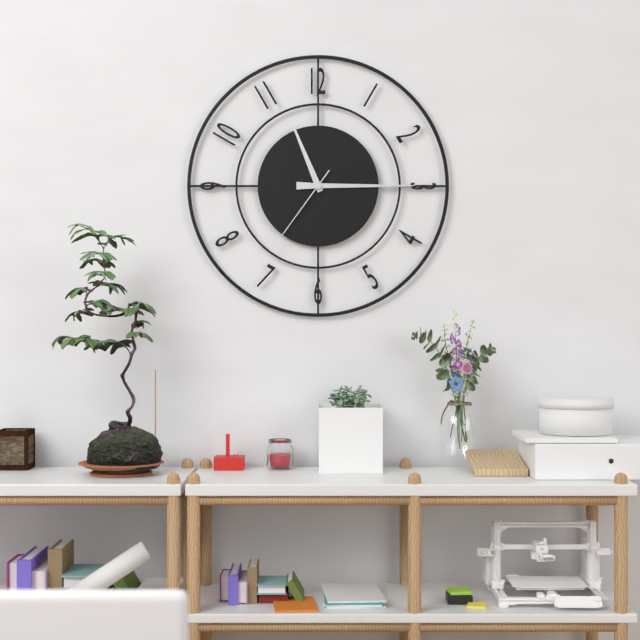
11 h 15 min 36 s
